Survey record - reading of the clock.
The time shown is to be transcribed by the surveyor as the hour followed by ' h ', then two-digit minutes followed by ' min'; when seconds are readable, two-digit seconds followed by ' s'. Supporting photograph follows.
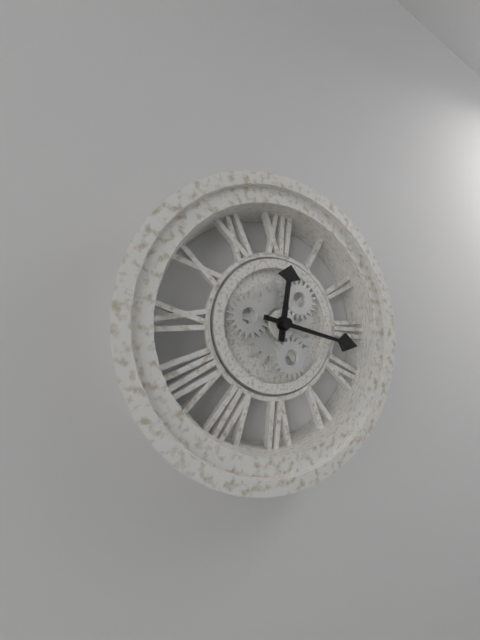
12 h 17 min
